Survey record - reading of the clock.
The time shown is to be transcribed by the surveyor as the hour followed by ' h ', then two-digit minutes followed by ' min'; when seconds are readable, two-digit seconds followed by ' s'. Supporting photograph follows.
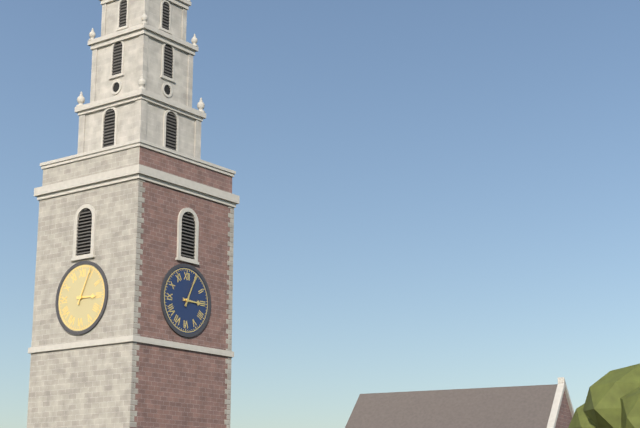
3 h 04 min
